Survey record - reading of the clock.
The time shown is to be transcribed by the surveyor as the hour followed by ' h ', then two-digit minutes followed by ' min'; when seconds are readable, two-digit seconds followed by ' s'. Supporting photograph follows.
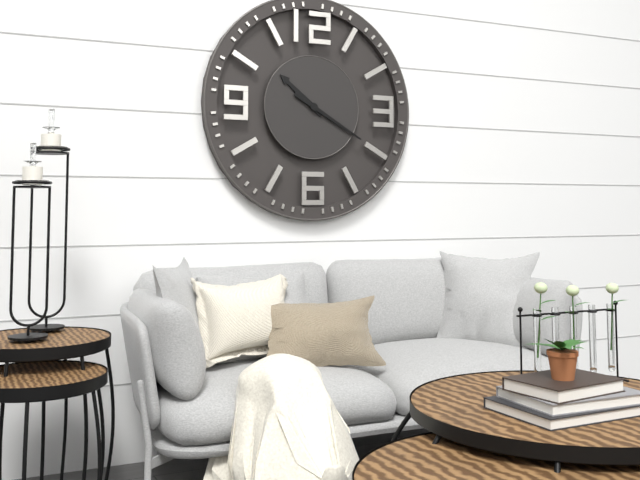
10 h 20 min
